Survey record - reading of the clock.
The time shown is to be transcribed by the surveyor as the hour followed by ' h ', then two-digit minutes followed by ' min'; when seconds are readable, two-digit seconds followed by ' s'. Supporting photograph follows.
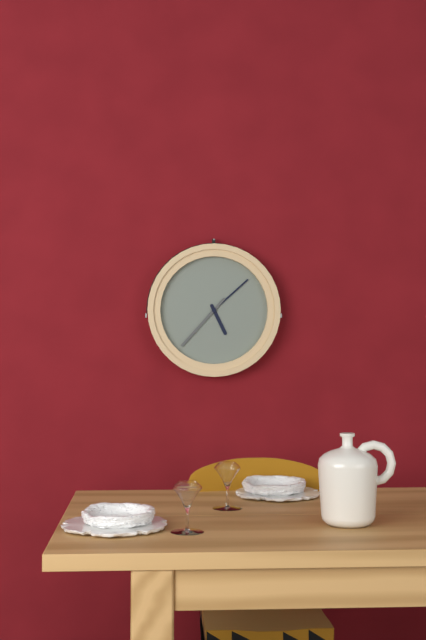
5 h 08 min 37 s
